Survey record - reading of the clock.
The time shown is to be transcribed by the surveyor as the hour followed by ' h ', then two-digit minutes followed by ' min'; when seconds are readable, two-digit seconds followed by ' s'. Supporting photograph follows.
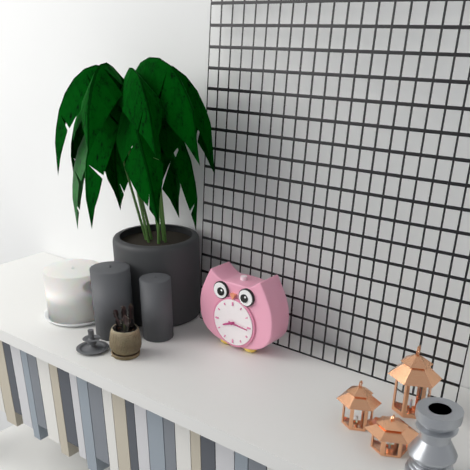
8 h 16 min
